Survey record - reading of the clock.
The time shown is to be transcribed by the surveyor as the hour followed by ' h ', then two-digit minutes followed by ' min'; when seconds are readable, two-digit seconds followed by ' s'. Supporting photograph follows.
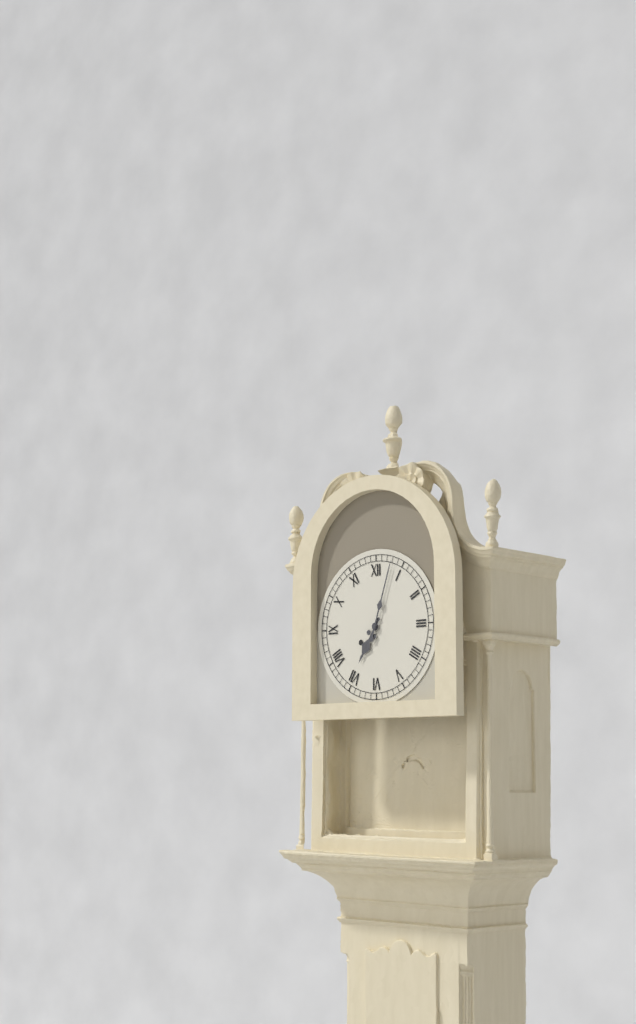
7 h 03 min
